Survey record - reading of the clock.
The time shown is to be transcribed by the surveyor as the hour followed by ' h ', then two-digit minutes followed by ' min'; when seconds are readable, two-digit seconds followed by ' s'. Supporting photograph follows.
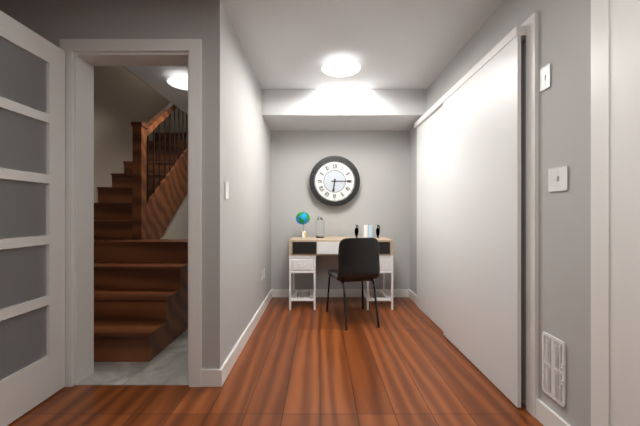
6 h 15 min
